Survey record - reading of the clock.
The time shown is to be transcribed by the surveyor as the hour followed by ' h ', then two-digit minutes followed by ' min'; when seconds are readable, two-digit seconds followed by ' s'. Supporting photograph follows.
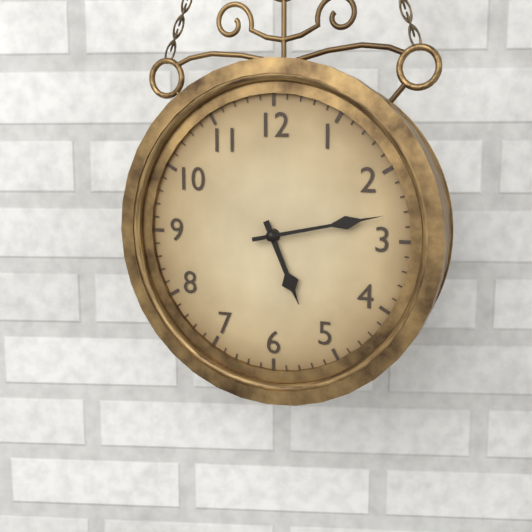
5 h 13 min
